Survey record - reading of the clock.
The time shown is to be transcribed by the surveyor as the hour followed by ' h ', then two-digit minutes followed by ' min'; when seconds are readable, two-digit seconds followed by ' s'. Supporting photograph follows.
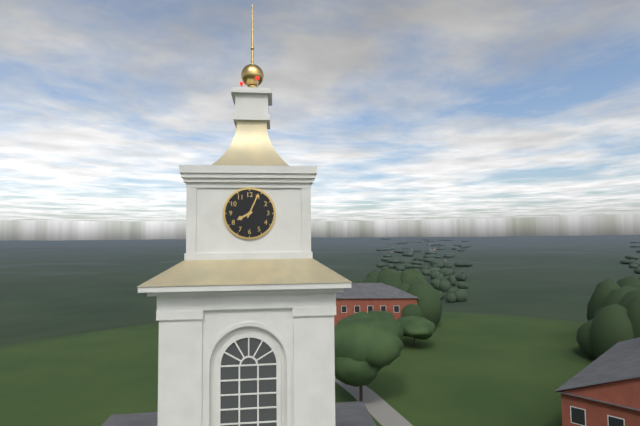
8 h 04 min
